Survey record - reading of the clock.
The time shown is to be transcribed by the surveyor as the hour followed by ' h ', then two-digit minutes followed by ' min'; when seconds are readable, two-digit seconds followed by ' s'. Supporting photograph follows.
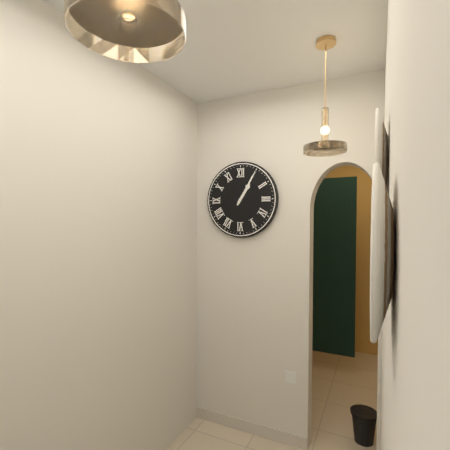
1 h 05 min
